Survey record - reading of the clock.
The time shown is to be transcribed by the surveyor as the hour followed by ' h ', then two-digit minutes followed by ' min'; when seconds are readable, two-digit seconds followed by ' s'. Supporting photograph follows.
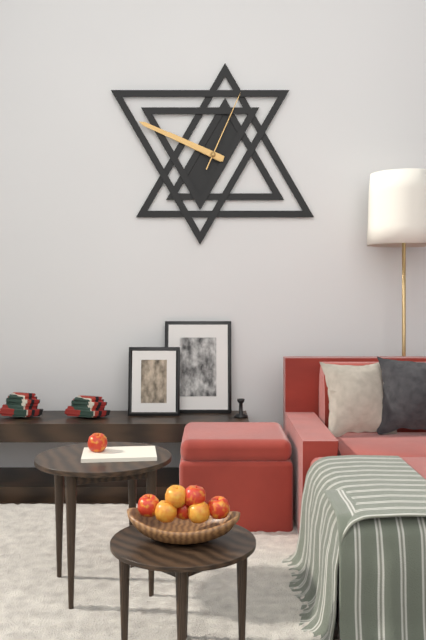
9 h 49 min 04 s
